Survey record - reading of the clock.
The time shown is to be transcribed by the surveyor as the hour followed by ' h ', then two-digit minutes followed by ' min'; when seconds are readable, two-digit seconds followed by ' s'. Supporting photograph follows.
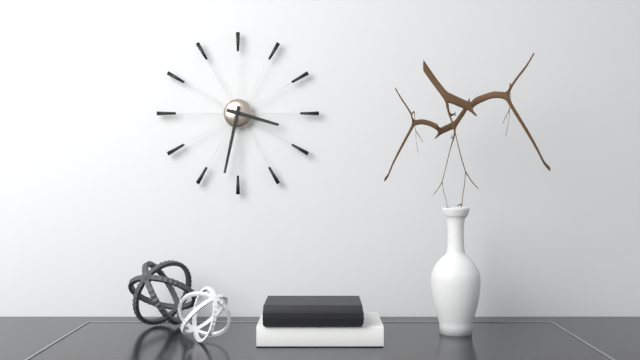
3 h 32 min
